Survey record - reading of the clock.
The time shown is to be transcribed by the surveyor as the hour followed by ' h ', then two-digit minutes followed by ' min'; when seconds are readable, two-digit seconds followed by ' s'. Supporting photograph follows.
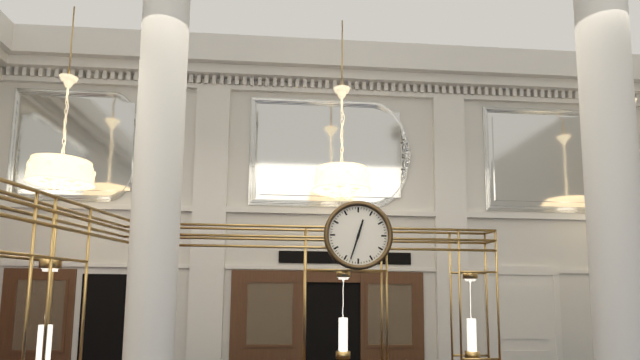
12 h 33 min
